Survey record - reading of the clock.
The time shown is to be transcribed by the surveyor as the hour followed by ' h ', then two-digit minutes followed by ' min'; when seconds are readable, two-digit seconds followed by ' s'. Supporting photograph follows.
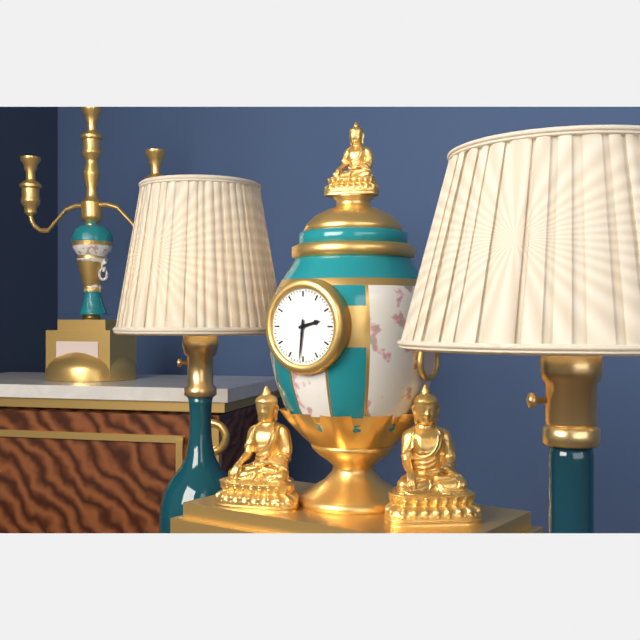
2 h 31 min
